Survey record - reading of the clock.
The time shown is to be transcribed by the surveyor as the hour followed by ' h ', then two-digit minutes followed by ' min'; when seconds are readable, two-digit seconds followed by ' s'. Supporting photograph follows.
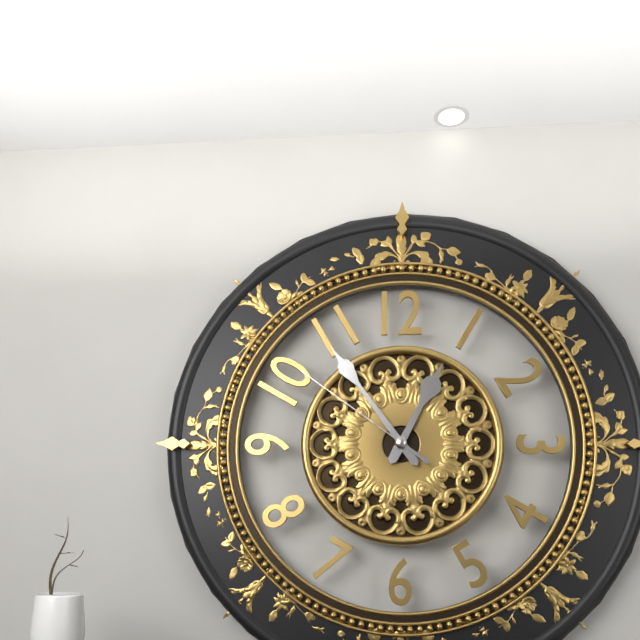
12 h 54 min 51 s
